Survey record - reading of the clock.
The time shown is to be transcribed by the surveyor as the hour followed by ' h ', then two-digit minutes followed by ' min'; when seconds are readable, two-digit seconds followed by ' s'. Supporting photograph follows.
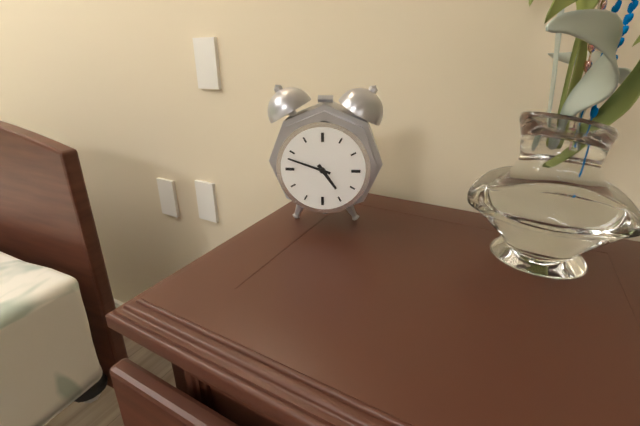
4 h 48 min
